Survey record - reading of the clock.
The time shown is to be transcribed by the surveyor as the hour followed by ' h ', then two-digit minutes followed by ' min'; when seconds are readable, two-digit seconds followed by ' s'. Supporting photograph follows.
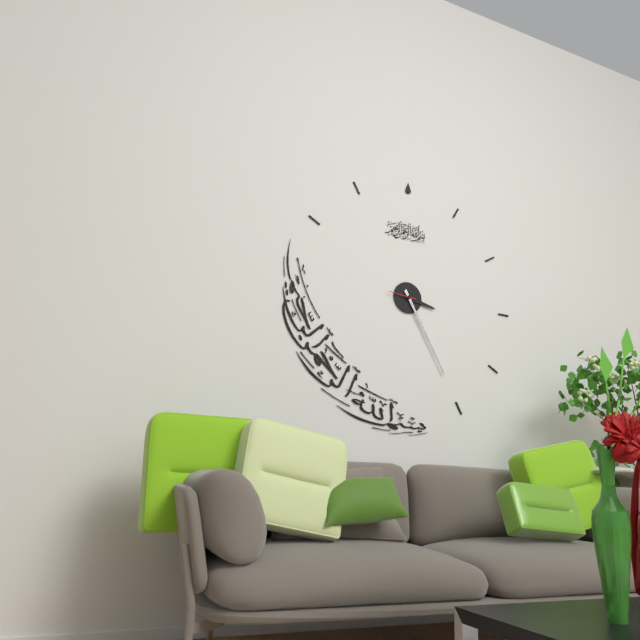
3 h 25 min
